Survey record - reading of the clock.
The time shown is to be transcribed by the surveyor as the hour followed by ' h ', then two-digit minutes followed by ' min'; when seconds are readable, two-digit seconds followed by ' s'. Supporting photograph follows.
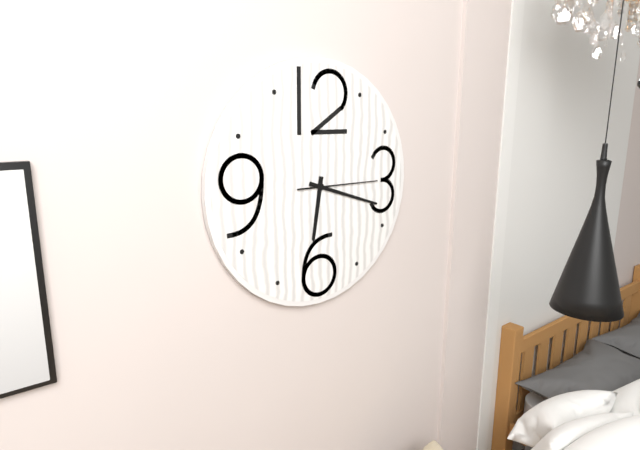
6 h 18 min 15 s
